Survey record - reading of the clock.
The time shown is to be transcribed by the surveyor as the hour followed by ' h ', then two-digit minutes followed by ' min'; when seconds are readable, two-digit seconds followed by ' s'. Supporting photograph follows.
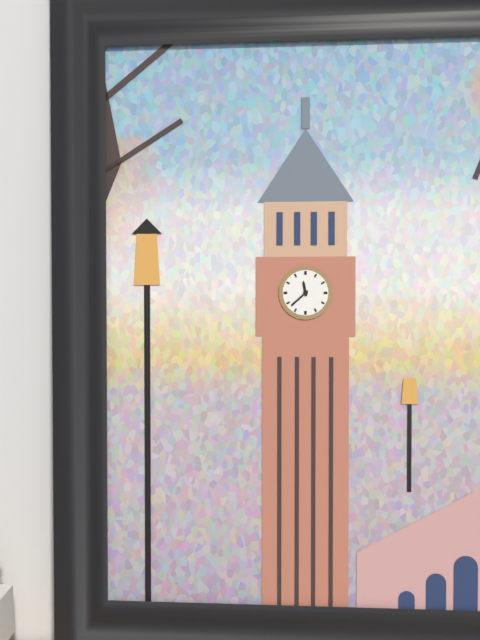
11 h 38 min
